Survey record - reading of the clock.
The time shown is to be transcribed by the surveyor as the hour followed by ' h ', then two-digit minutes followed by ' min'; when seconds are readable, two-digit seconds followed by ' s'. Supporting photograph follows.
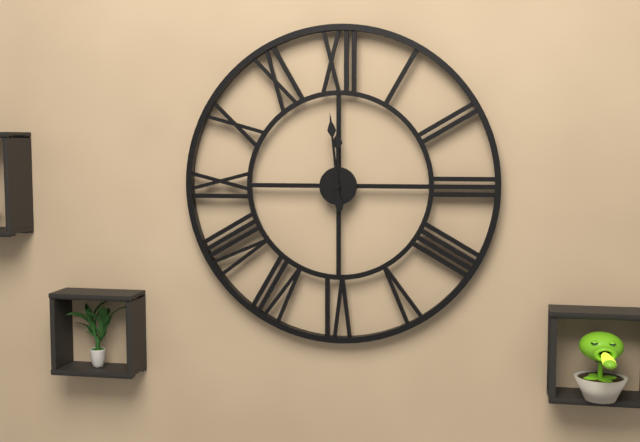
11 h 59 min
